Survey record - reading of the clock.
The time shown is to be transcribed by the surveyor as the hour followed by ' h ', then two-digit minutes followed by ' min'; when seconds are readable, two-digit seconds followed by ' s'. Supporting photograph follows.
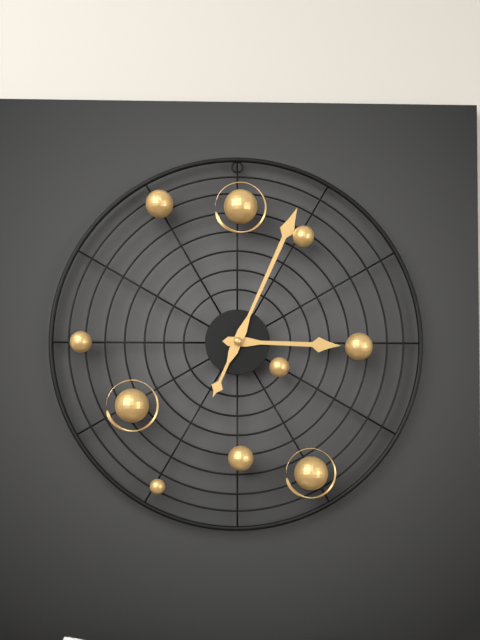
3 h 04 min
